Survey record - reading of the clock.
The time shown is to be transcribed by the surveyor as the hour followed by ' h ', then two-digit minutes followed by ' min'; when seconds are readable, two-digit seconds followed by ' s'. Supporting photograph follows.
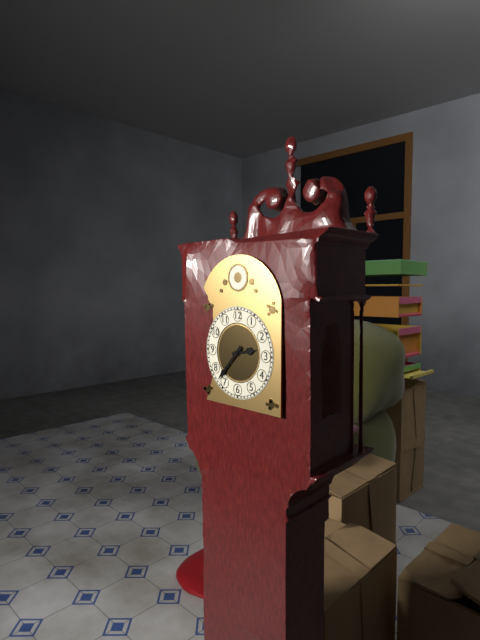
2 h 37 min
